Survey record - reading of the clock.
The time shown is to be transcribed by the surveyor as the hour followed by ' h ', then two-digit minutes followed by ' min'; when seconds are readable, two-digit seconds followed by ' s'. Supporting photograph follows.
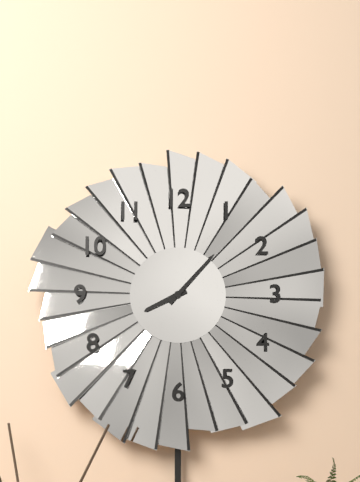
8 h 07 min
